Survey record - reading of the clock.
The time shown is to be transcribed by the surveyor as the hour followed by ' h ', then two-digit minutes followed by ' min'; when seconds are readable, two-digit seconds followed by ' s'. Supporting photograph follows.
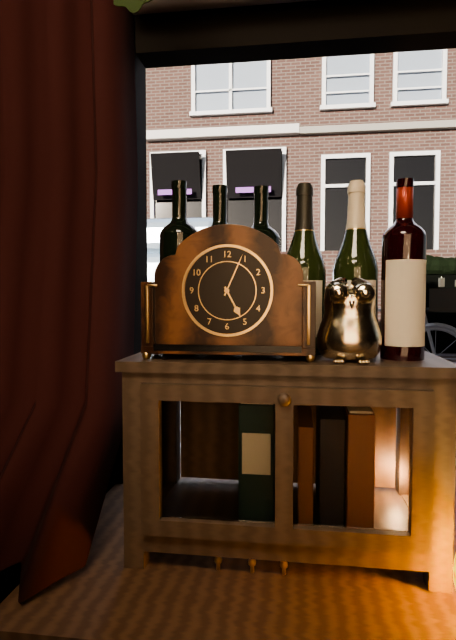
5 h 04 min
